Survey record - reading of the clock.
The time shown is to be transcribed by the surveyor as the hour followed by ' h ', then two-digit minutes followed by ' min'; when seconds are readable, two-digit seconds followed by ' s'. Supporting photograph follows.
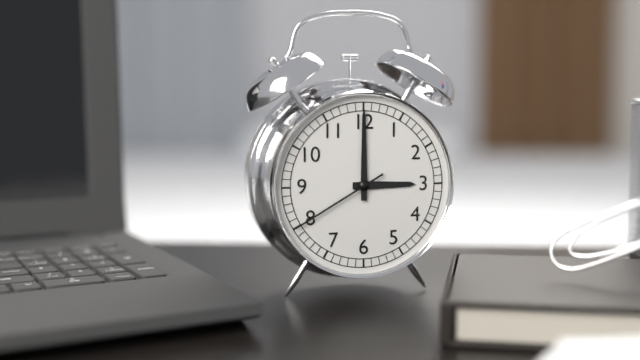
3 h 00 min 40 s
